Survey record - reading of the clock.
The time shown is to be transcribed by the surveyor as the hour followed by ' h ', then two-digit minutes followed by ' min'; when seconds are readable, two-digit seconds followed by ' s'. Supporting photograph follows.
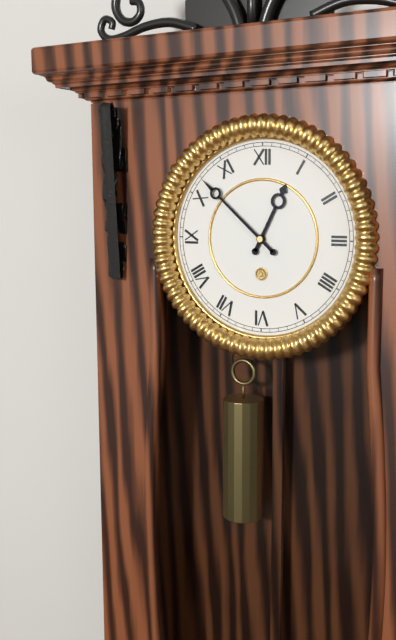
12 h 52 min
